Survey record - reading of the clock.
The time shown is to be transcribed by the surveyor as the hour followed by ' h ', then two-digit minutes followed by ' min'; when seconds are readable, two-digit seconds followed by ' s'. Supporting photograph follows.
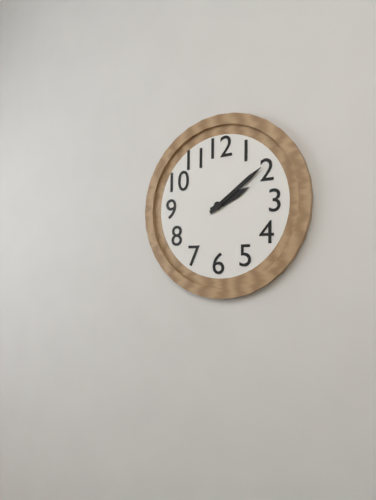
2 h 09 min
